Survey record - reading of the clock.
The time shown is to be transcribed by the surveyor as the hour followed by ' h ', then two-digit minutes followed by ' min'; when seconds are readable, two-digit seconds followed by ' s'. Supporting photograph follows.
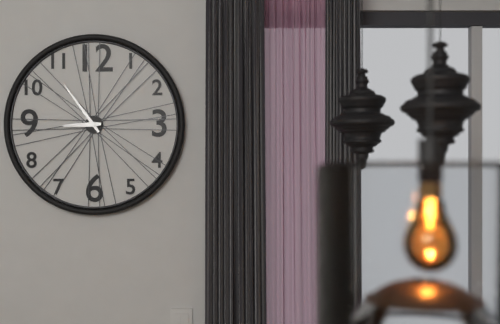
8 h 54 min
